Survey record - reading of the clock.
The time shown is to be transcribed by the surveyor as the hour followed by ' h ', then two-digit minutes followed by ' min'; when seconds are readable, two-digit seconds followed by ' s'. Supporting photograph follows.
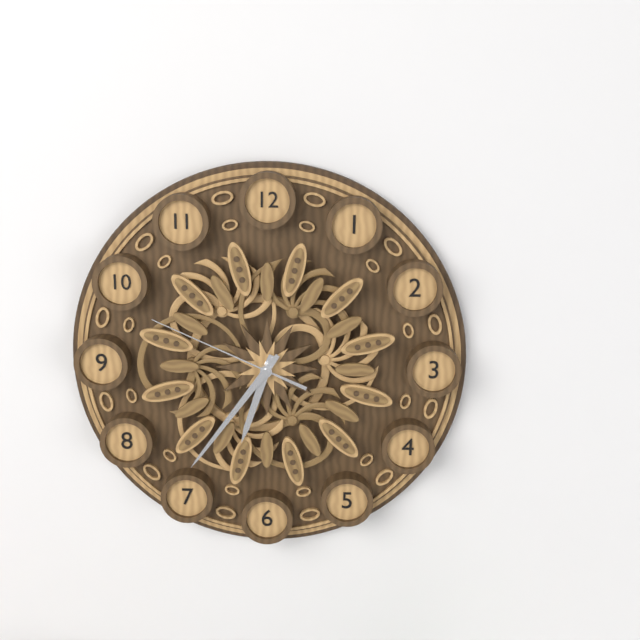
6 h 36 min 49 s
